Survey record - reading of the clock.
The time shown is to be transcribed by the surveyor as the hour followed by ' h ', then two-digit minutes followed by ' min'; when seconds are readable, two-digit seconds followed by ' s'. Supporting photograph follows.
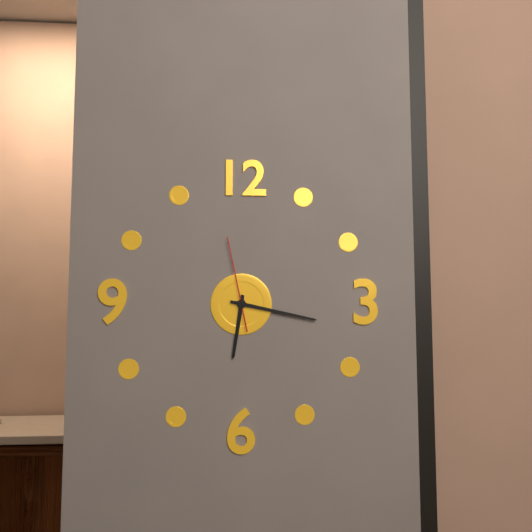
6 h 17 min 58 s
